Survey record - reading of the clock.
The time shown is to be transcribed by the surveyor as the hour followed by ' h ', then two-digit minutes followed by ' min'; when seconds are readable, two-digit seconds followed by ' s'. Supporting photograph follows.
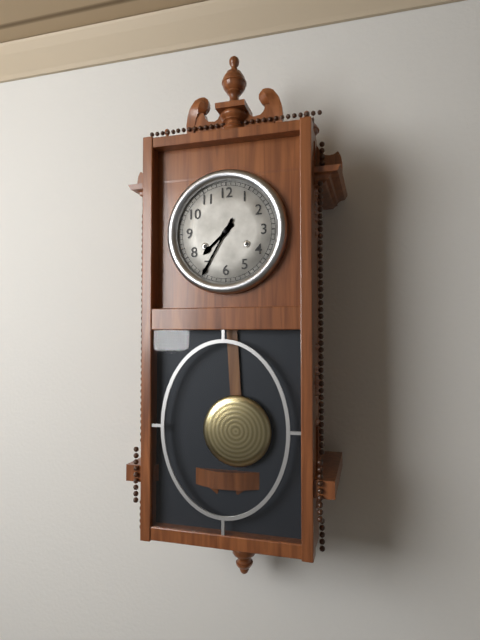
7 h 35 min
